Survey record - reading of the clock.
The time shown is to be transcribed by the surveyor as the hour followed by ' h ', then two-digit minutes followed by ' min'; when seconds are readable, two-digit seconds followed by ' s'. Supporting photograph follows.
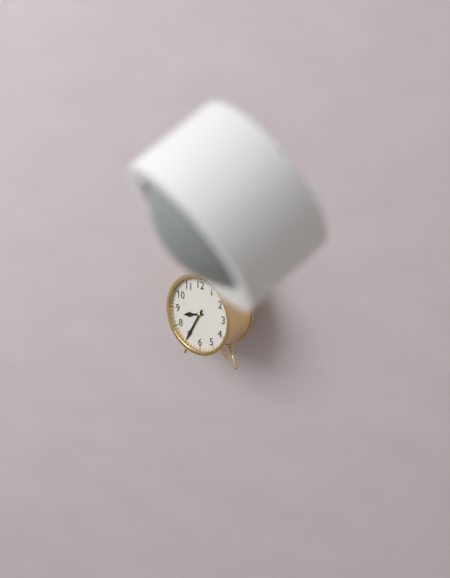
8 h 35 min
